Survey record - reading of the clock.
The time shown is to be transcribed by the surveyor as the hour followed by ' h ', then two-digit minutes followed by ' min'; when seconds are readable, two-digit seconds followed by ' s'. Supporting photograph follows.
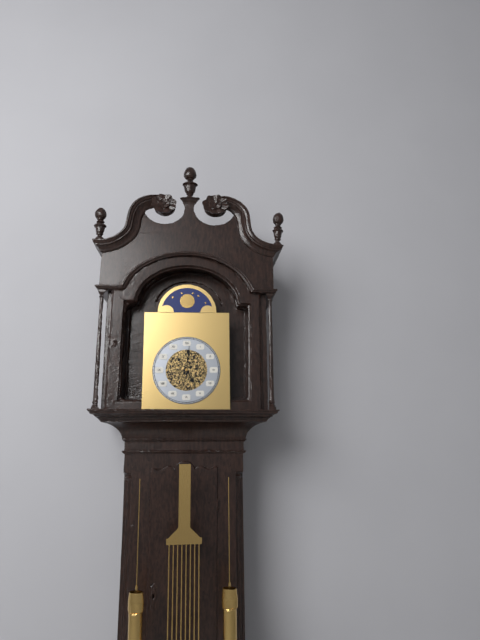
5 h 01 min
